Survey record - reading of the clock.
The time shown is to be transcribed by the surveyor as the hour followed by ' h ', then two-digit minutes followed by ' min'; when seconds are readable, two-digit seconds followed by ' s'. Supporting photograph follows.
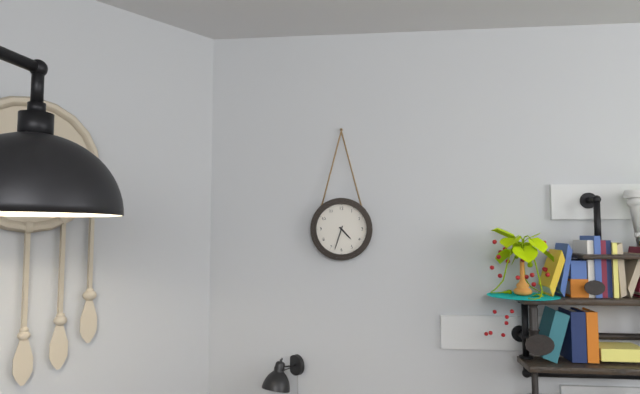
4 h 33 min
